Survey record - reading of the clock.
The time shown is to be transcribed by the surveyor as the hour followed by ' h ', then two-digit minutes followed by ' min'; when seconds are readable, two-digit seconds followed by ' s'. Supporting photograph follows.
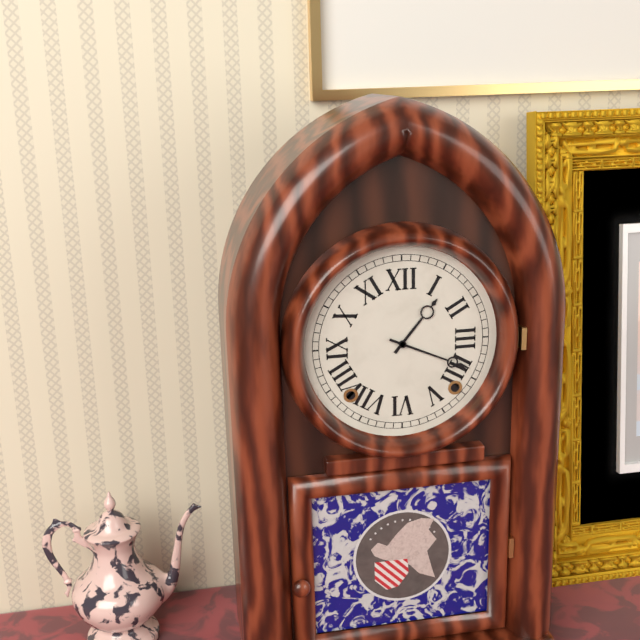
1 h 19 min
